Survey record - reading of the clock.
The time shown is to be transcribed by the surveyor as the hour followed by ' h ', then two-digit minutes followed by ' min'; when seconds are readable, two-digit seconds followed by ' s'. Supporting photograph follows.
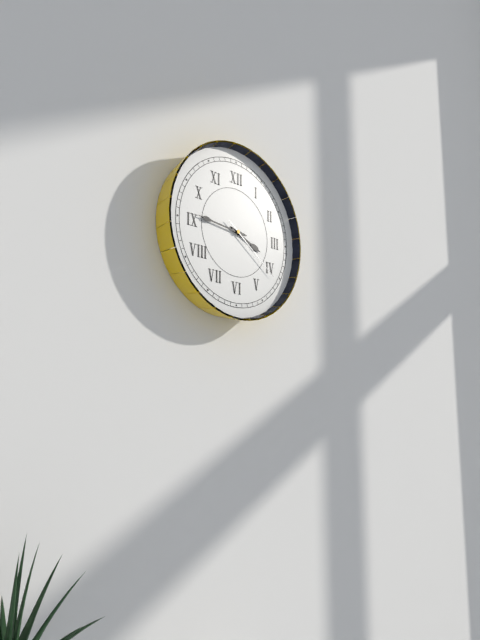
3 h 46 min 21 s
